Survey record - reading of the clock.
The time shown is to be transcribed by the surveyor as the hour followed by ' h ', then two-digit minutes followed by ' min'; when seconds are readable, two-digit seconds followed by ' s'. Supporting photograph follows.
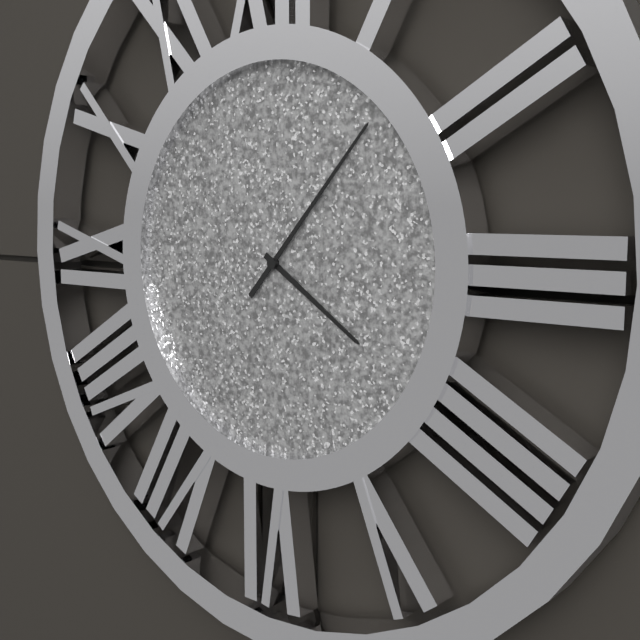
4 h 07 min
